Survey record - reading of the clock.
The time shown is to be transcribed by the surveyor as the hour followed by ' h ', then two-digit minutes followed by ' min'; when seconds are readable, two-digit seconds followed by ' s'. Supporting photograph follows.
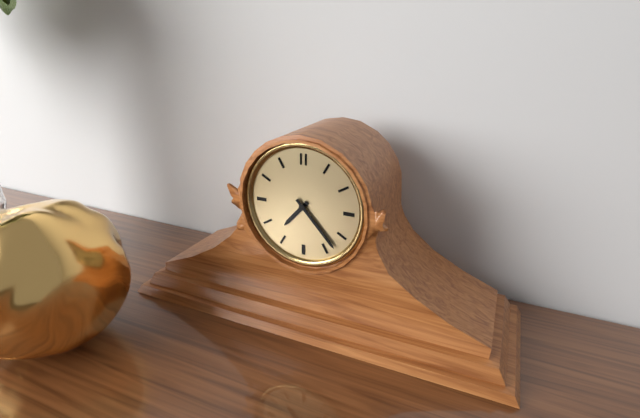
7 h 23 min
